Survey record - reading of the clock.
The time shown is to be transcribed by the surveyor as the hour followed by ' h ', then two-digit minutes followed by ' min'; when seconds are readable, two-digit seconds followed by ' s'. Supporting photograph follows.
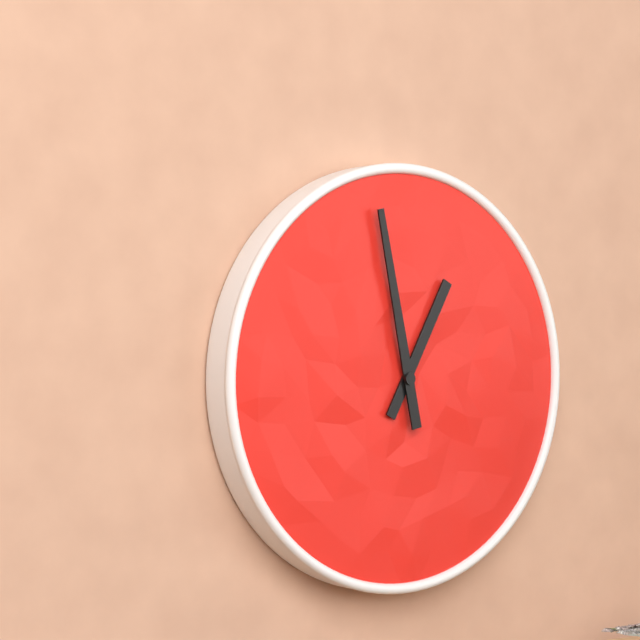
12 h 58 min
